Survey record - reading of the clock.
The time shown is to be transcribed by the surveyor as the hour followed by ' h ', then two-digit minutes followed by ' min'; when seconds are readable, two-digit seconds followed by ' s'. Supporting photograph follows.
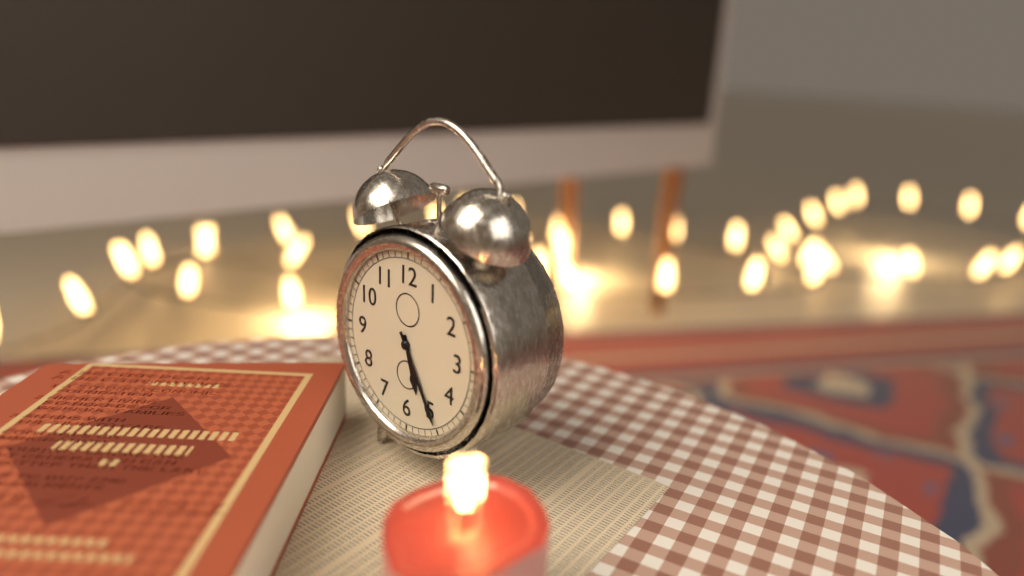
5 h 25 min
